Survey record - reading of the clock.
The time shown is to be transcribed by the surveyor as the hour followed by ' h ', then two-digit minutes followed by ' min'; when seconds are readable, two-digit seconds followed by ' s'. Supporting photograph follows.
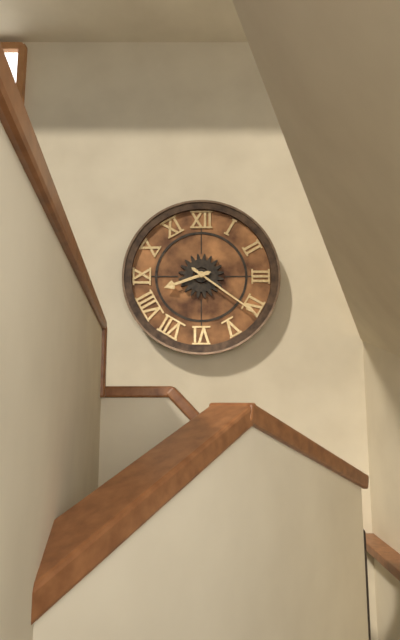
8 h 21 min
